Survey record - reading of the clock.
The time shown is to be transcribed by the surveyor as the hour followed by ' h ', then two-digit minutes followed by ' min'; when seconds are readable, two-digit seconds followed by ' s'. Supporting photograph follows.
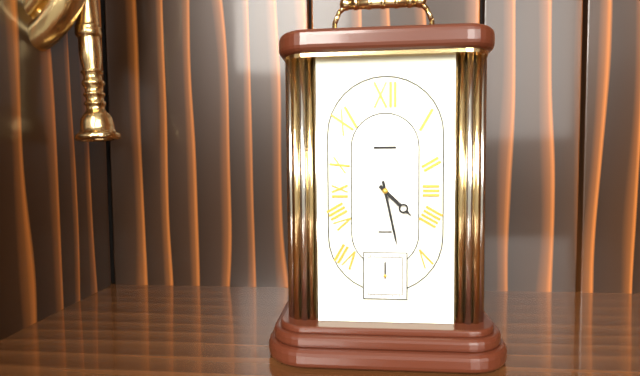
4 h 28 min
